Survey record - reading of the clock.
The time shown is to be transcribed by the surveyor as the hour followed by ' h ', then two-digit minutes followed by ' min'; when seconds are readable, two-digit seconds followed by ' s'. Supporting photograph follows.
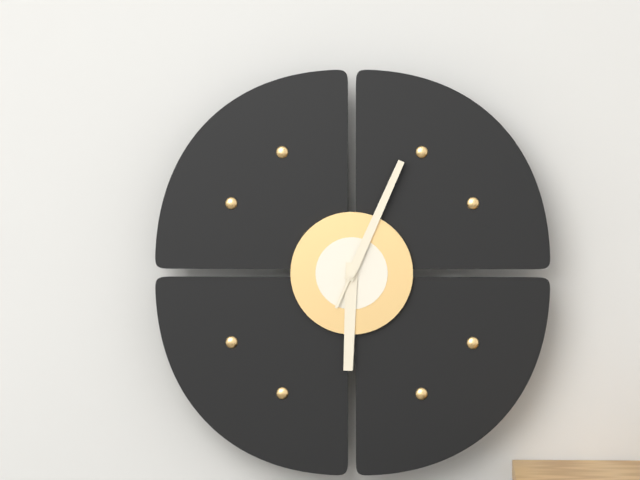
6 h 04 min
